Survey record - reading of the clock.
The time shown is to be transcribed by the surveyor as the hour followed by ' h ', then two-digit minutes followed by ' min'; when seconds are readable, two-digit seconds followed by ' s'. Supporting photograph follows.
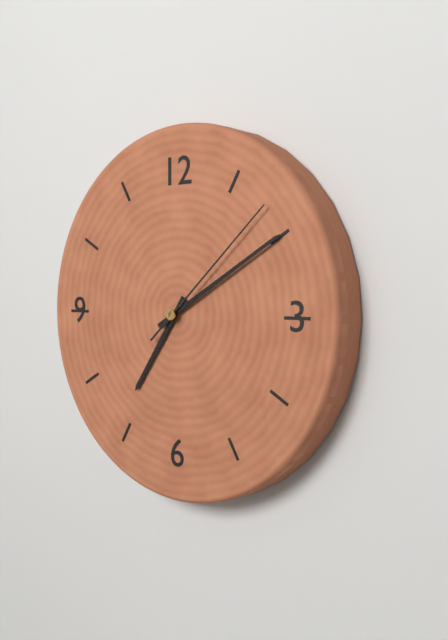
7 h 10 min 08 s
